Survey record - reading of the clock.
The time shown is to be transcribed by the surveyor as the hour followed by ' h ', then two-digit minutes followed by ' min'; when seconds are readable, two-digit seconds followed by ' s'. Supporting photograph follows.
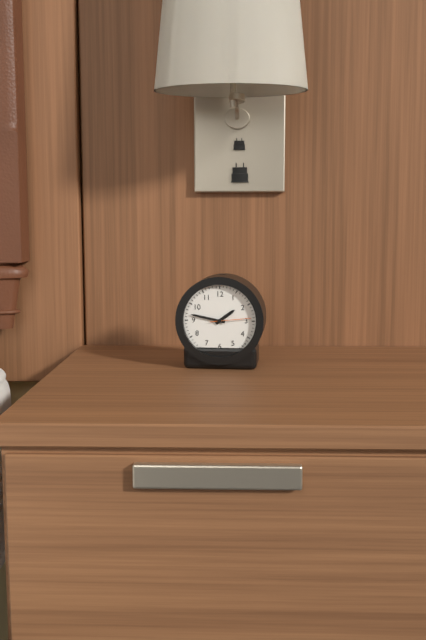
1 h 47 min
